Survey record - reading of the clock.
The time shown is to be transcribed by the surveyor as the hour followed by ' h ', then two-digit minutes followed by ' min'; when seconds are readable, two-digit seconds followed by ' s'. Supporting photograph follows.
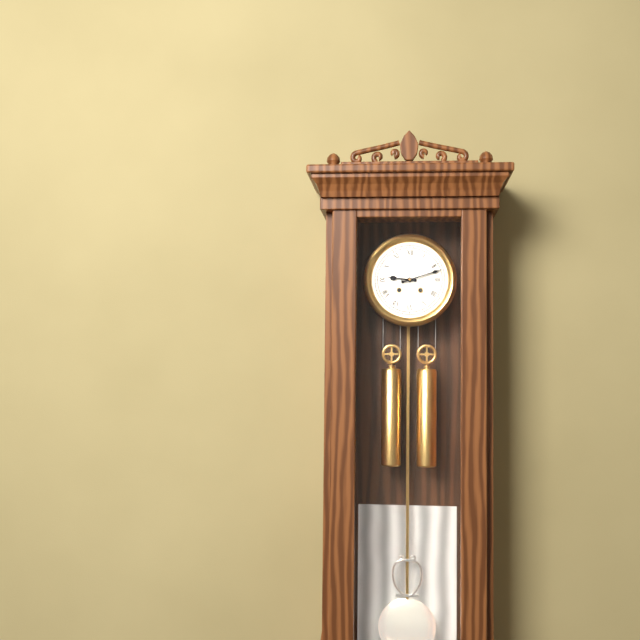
9 h 12 min
